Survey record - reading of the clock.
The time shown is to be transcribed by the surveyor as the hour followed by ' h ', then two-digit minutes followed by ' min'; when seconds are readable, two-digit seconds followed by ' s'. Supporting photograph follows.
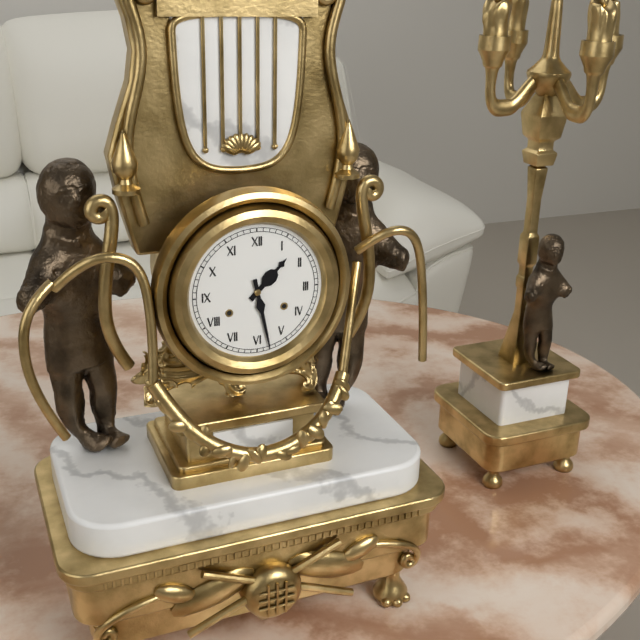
1 h 28 min
